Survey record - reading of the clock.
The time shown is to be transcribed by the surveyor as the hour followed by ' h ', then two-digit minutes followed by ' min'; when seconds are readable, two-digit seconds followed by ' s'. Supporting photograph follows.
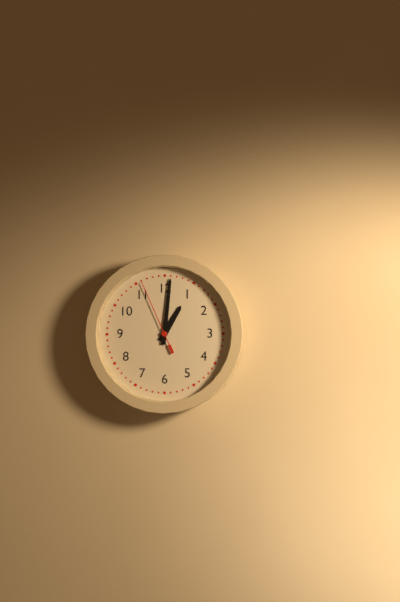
1 h 01 min 56 s
